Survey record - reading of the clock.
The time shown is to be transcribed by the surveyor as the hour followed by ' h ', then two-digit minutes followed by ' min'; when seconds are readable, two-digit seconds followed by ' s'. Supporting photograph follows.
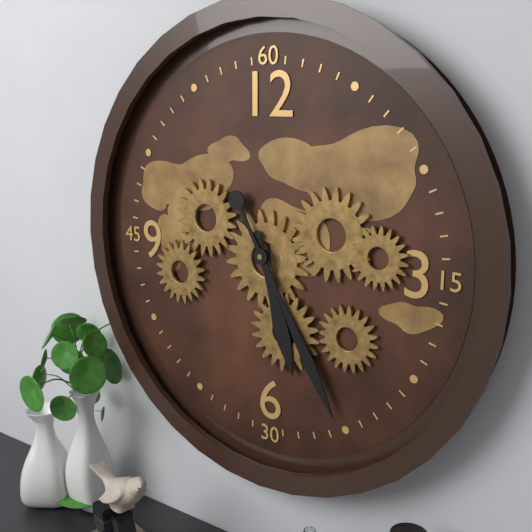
5 h 25 min
